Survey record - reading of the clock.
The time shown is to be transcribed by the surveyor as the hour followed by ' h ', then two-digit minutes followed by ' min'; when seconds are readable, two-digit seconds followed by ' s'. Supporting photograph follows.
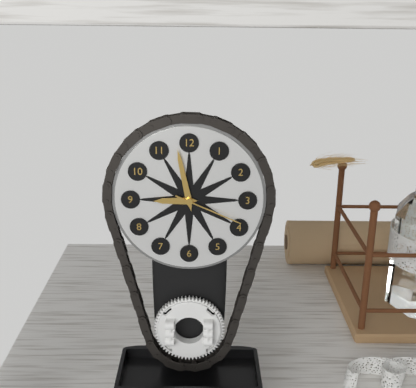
8 h 58 min 19 s
